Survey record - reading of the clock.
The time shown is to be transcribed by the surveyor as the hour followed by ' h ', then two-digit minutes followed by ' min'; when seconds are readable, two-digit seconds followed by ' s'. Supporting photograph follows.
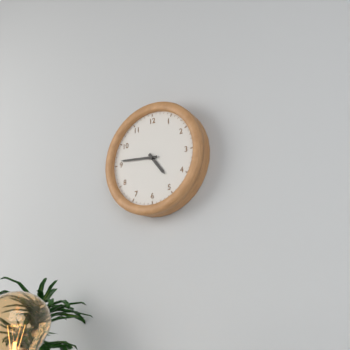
4 h 46 min
